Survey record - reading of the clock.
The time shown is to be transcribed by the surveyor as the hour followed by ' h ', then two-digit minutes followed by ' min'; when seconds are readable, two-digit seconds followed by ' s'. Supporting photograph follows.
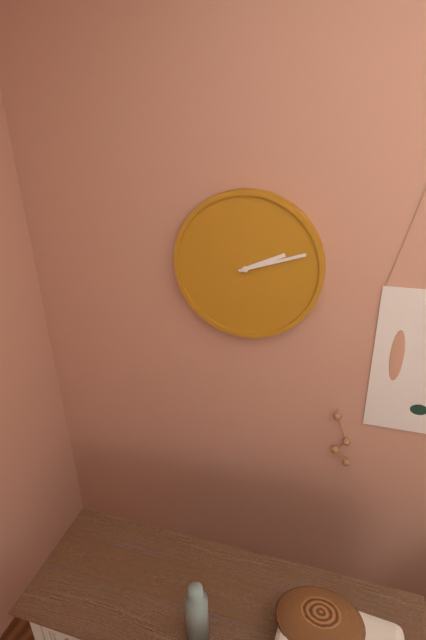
2 h 12 min
